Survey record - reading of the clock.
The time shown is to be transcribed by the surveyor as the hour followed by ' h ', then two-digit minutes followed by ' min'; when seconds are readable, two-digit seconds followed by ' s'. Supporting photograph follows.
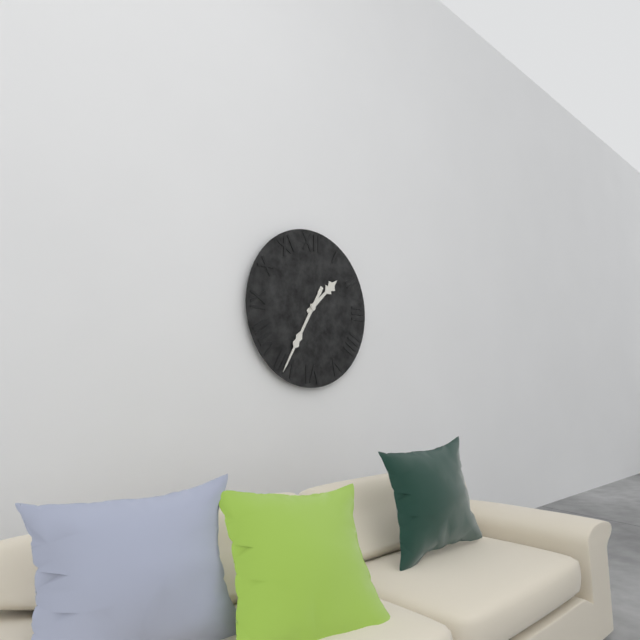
1 h 35 min
